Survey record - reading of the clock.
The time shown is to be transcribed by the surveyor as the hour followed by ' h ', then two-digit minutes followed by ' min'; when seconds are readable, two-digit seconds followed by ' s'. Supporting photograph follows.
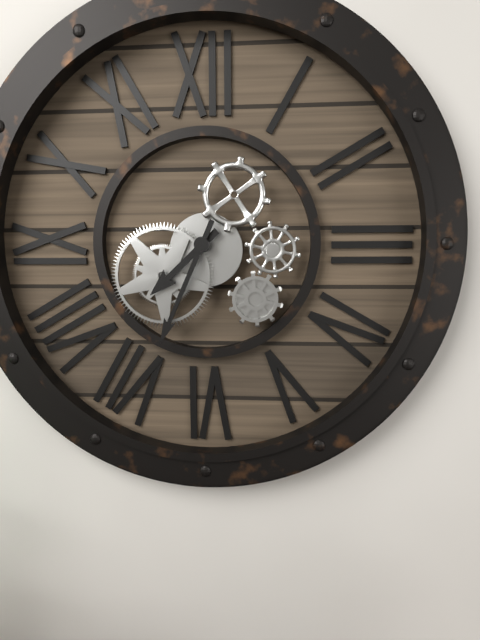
7 h 34 min
